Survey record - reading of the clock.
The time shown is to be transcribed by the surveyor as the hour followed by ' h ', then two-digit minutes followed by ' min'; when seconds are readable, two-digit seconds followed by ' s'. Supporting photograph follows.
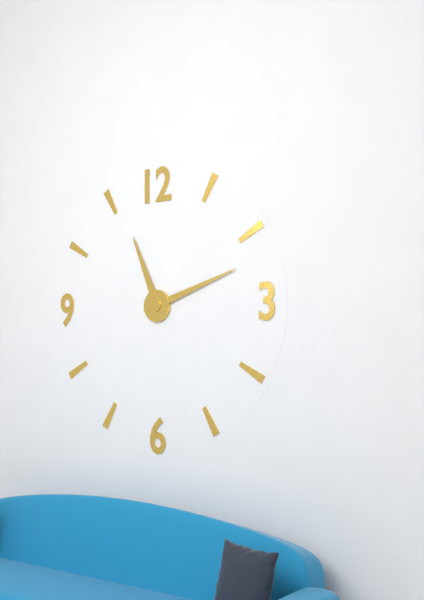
11 h 12 min
